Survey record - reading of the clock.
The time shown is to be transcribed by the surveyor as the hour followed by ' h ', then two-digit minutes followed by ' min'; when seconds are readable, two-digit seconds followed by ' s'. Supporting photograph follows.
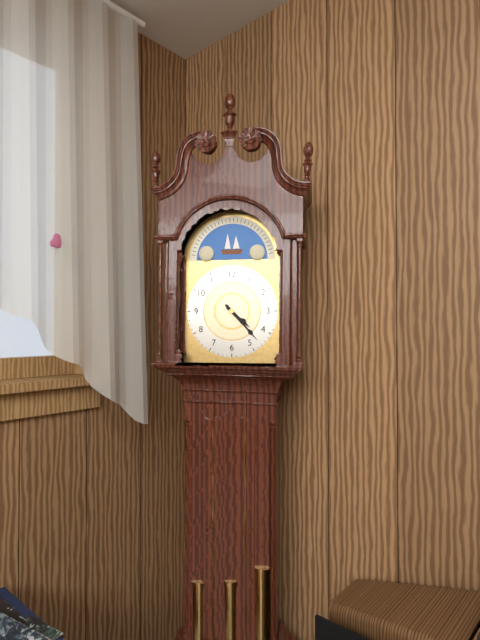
4 h 23 min
